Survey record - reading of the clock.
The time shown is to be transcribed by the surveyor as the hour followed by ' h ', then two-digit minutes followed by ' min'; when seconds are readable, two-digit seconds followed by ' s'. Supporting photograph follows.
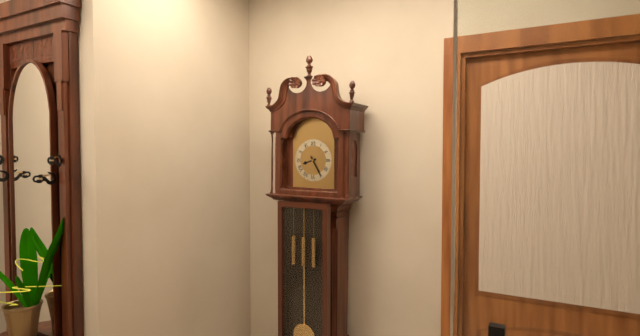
8 h 25 min
